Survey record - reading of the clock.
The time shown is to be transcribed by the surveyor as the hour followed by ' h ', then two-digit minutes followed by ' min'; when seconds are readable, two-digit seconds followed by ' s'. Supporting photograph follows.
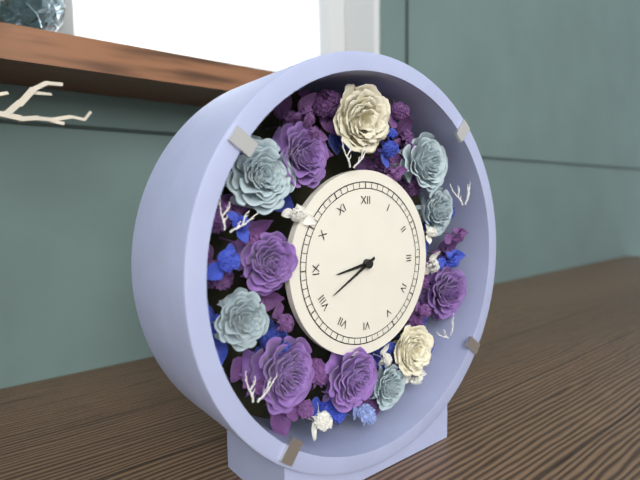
8 h 40 min
